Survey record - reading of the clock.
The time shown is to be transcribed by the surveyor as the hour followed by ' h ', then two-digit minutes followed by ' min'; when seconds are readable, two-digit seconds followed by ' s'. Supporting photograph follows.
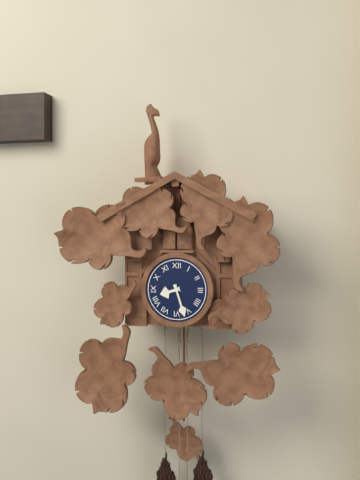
8 h 27 min
